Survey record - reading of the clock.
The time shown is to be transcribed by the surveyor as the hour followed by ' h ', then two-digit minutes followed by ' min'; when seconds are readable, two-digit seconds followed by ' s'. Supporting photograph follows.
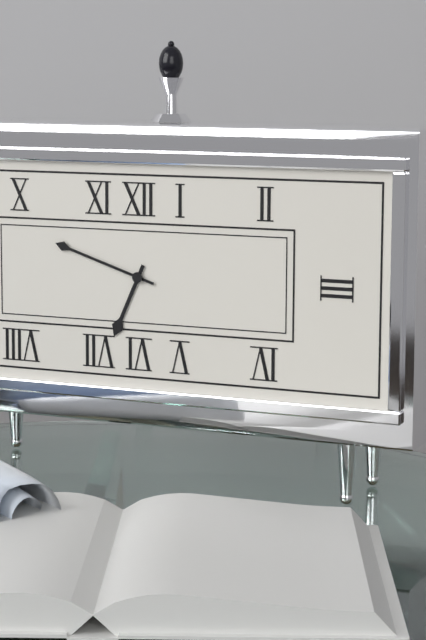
6 h 48 min
